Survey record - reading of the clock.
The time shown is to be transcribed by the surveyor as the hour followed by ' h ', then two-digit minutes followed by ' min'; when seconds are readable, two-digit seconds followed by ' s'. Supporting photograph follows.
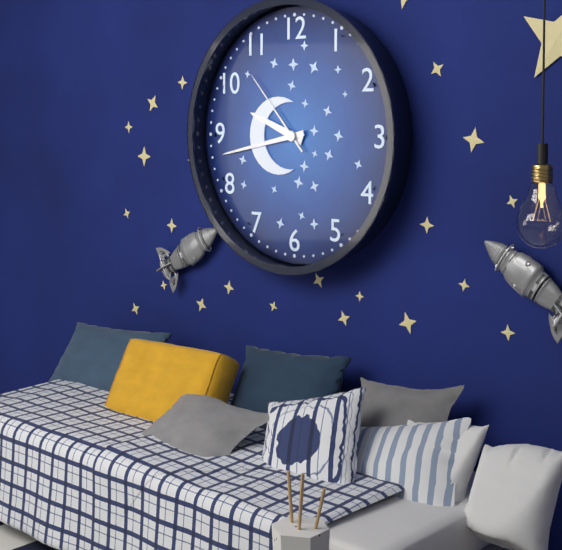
9 h 43 min 53 s
